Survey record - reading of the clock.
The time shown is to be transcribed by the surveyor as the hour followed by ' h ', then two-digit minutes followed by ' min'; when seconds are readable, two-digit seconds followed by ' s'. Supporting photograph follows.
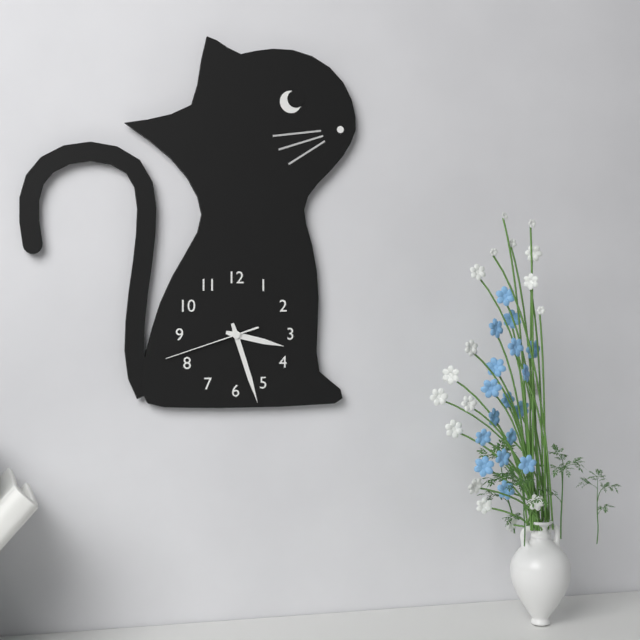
3 h 27 min 42 s
